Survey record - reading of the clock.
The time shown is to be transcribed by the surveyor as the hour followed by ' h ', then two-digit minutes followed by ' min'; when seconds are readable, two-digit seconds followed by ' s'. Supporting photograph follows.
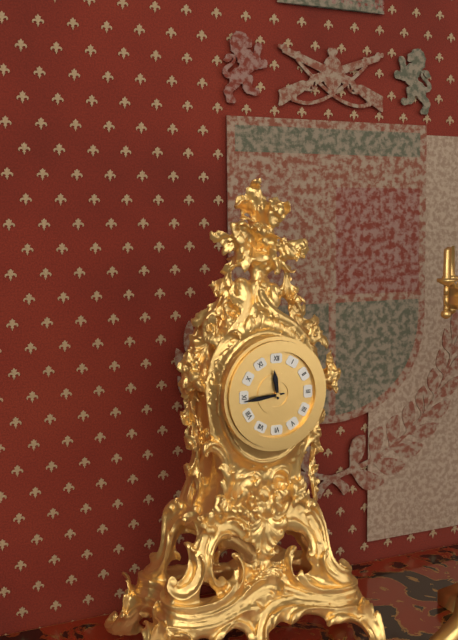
11 h 44 min
